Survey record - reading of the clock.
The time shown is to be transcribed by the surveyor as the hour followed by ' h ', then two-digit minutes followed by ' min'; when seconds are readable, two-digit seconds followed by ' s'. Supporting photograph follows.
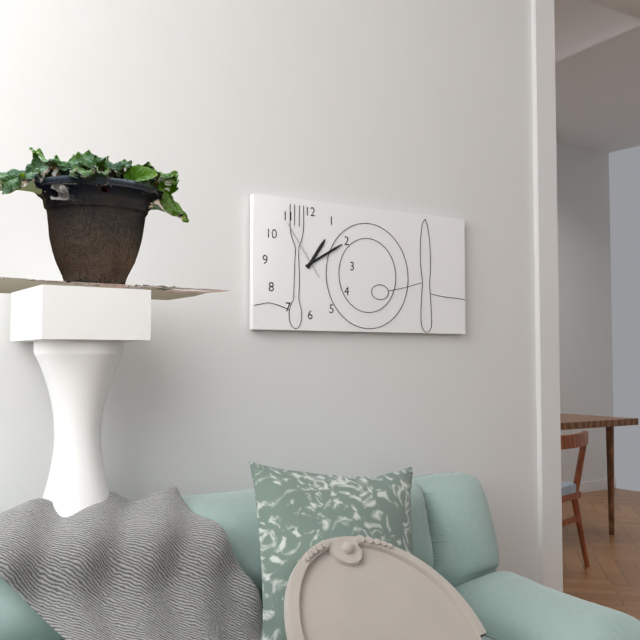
1 h 10 min 54 s
